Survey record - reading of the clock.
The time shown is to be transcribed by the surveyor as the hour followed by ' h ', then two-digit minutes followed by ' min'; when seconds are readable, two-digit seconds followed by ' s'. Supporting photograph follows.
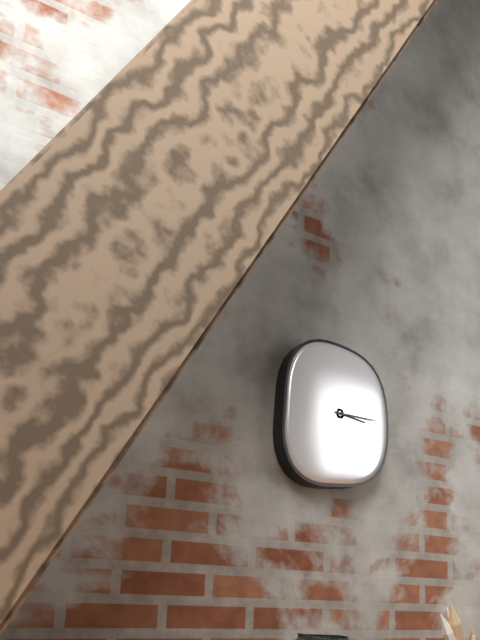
3 h 15 min
